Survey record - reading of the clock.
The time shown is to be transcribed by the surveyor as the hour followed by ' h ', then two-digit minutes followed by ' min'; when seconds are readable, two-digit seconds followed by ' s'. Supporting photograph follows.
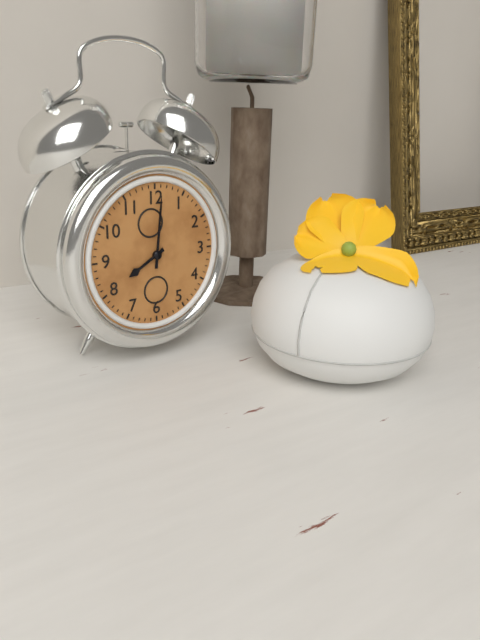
8 h 01 min
